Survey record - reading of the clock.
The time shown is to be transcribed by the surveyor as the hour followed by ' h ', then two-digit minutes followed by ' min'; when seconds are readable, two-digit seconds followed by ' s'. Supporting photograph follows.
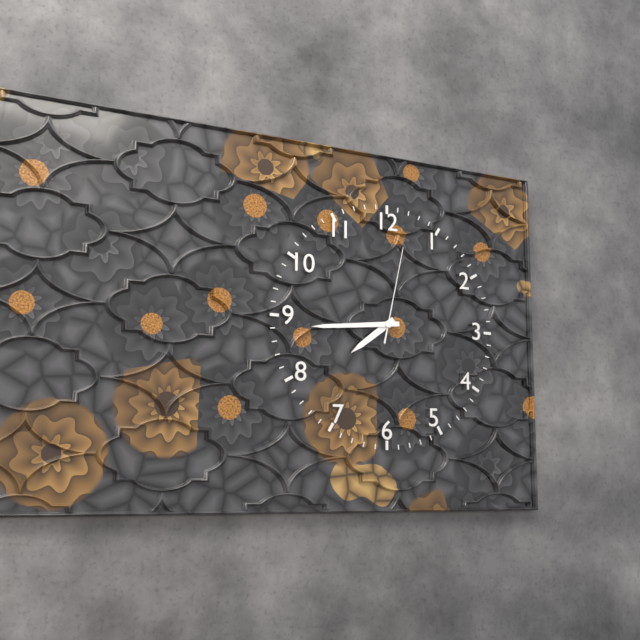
7 h 44 min 02 s
